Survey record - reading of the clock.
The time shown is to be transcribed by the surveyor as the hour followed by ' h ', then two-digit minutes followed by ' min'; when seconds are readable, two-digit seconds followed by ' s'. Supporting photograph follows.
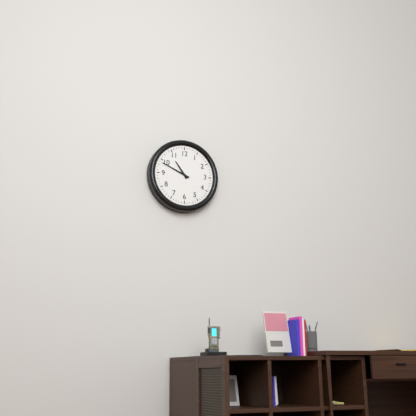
10 h 49 min
